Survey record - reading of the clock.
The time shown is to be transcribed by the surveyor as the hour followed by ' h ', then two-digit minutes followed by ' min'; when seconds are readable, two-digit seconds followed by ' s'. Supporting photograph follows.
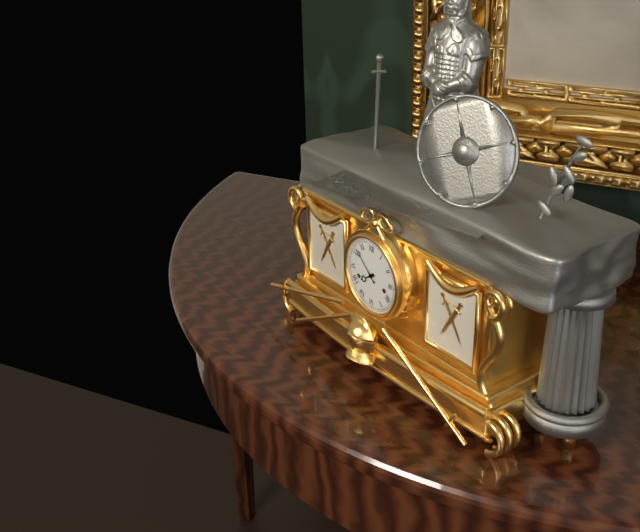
7 h 52 min
